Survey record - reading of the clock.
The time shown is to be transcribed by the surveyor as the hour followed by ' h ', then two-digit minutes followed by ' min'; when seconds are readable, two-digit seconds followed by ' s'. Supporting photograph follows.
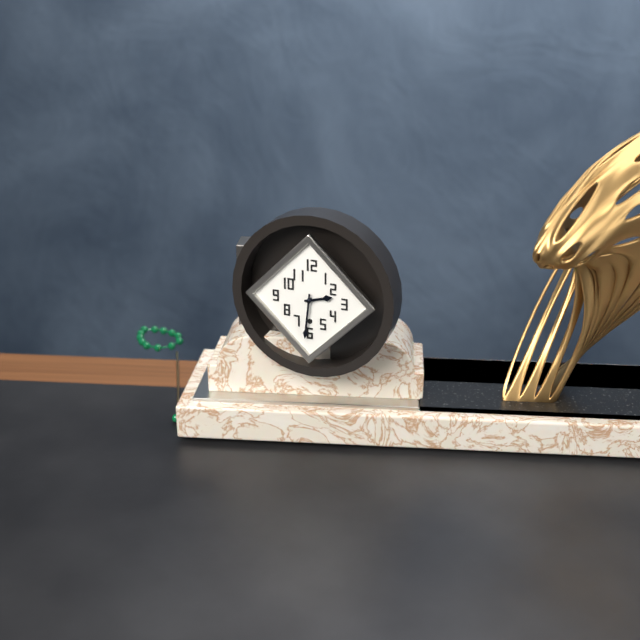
2 h 31 min
